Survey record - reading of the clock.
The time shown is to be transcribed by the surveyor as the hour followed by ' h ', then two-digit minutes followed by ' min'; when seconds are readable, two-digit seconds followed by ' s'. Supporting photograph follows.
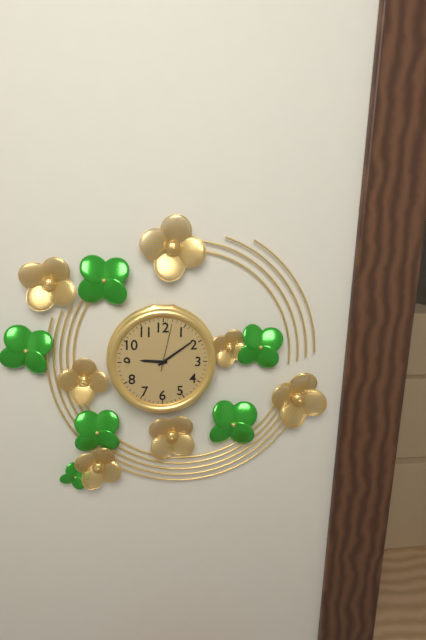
9 h 09 min
